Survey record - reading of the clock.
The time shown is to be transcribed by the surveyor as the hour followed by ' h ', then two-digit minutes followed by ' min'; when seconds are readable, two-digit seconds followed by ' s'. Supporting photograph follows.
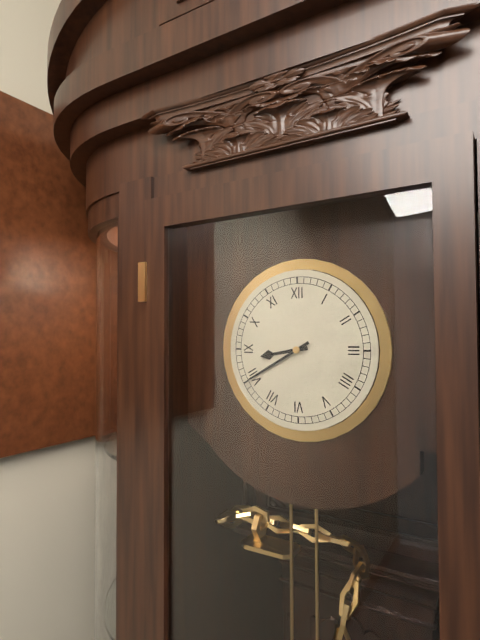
8 h 40 min
